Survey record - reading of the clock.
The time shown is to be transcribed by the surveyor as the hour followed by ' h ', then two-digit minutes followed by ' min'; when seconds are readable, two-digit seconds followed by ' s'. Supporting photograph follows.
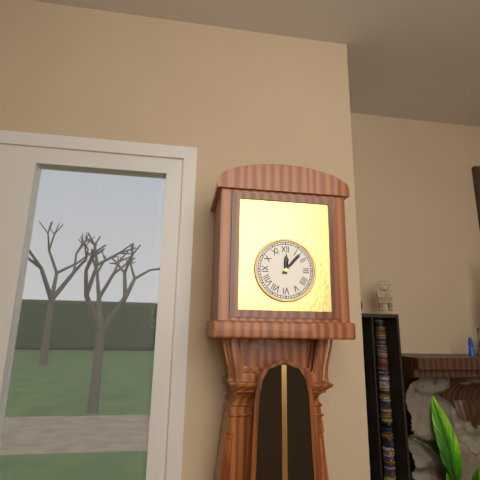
12 h 07 min
